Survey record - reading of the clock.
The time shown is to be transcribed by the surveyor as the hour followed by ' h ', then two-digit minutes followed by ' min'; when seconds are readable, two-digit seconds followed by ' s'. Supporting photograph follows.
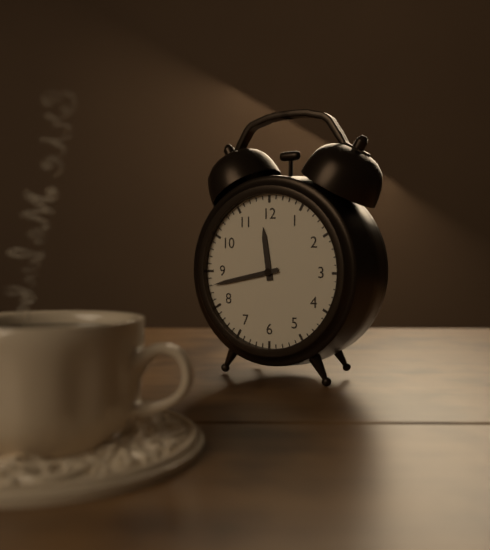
11 h 43 min
